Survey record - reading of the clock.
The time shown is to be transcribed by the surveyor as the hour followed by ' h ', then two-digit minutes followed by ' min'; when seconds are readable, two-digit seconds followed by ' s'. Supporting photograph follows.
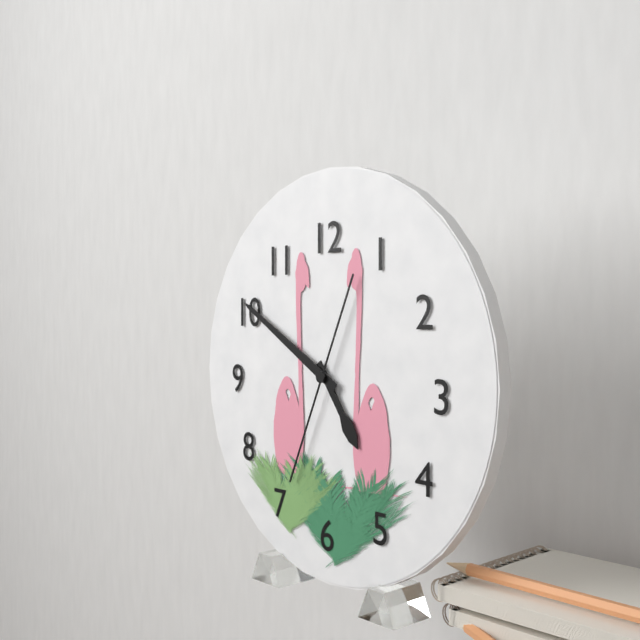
4 h 50 min 34 s
